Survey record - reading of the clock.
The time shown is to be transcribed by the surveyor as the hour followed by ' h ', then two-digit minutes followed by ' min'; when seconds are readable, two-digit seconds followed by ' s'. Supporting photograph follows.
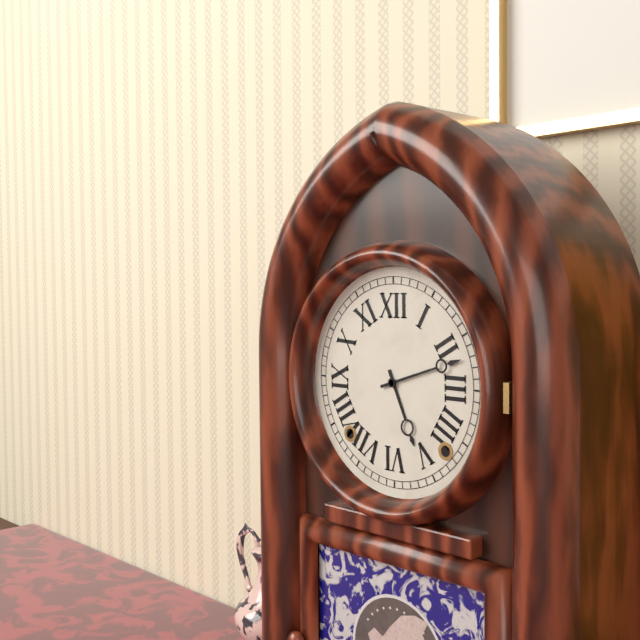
5 h 12 min
